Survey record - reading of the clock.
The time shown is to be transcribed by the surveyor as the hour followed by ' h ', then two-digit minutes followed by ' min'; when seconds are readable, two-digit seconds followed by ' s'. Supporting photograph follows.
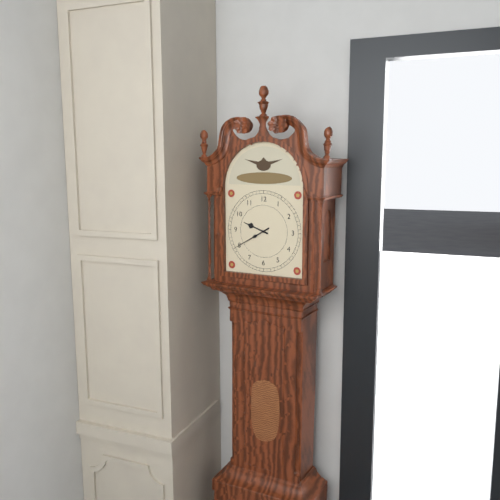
9 h 40 min
